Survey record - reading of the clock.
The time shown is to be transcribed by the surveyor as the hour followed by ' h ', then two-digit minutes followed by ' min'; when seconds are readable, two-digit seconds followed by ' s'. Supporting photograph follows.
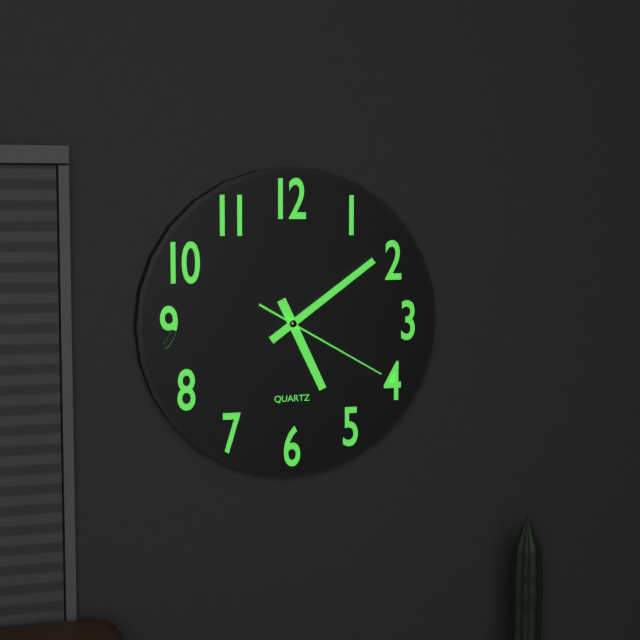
5 h 09 min 20 s
